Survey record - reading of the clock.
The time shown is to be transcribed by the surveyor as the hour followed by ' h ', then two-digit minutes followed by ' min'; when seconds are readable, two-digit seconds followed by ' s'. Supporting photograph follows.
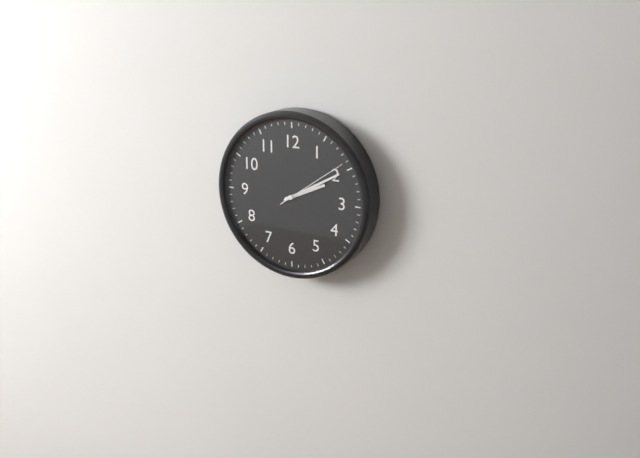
2 h 10 min 09 s
